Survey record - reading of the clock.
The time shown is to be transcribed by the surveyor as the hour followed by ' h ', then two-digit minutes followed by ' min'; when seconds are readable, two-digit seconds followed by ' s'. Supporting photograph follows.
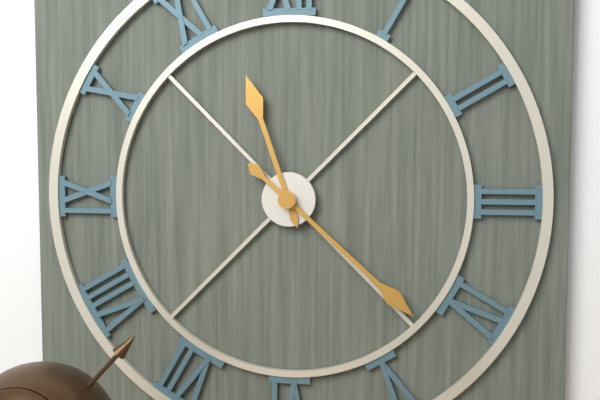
11 h 22 min
